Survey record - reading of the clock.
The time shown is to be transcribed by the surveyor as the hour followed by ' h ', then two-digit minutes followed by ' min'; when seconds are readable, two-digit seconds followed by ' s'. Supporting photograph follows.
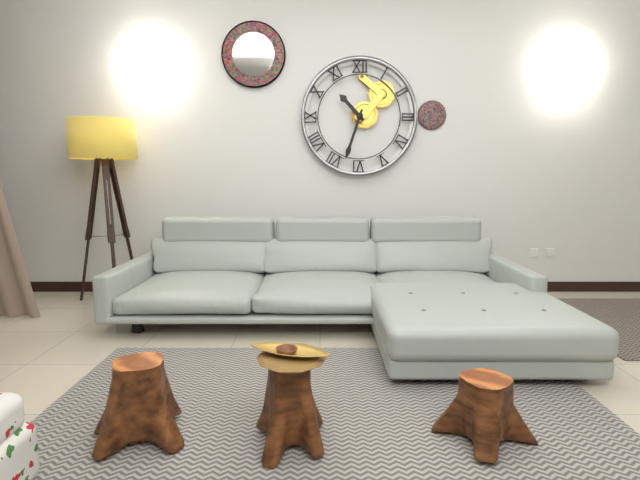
10 h 33 min
